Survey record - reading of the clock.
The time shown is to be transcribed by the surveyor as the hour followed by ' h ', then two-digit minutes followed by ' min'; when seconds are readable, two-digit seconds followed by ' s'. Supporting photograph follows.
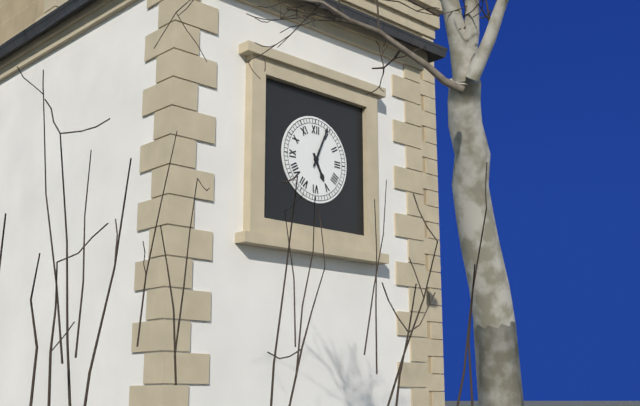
5 h 04 min
